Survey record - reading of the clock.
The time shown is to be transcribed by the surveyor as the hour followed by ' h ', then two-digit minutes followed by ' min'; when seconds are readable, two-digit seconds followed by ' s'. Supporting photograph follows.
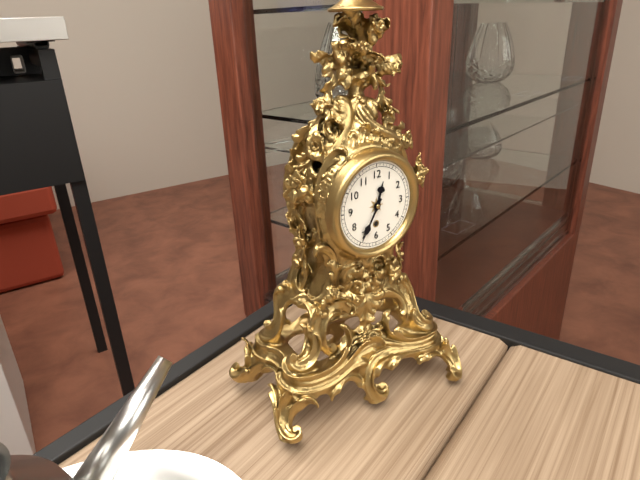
12 h 35 min
